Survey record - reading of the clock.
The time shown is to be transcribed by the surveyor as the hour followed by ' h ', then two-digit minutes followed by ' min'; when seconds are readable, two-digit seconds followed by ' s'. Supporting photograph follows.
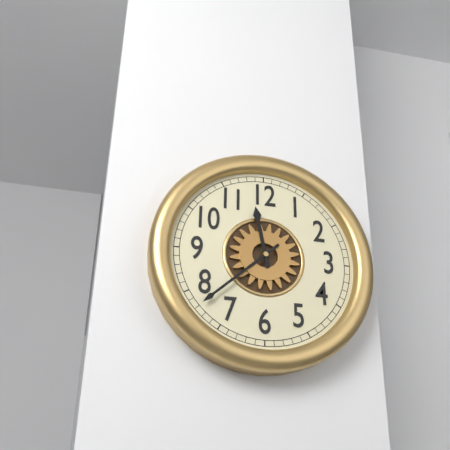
11 h 38 min
